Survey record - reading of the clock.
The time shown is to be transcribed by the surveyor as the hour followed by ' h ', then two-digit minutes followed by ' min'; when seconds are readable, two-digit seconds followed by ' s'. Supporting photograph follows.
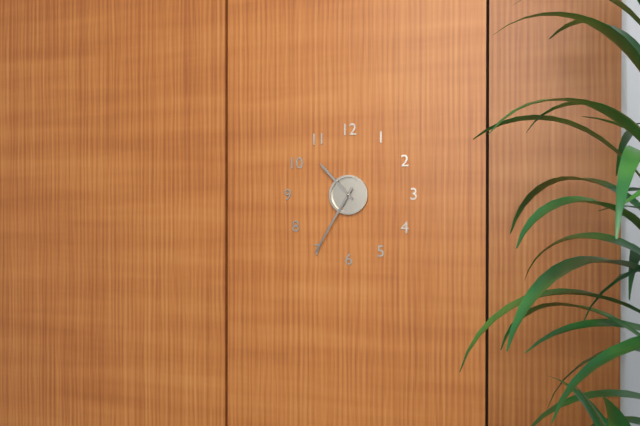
10 h 35 min
